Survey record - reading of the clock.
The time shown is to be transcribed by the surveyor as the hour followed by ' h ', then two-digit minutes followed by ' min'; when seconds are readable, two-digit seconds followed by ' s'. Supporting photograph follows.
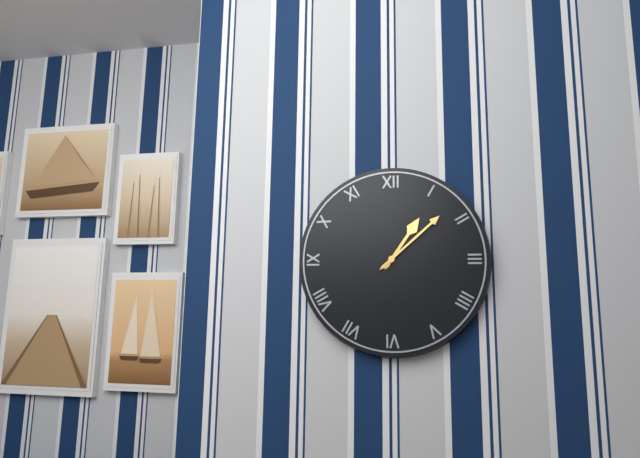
1 h 08 min
